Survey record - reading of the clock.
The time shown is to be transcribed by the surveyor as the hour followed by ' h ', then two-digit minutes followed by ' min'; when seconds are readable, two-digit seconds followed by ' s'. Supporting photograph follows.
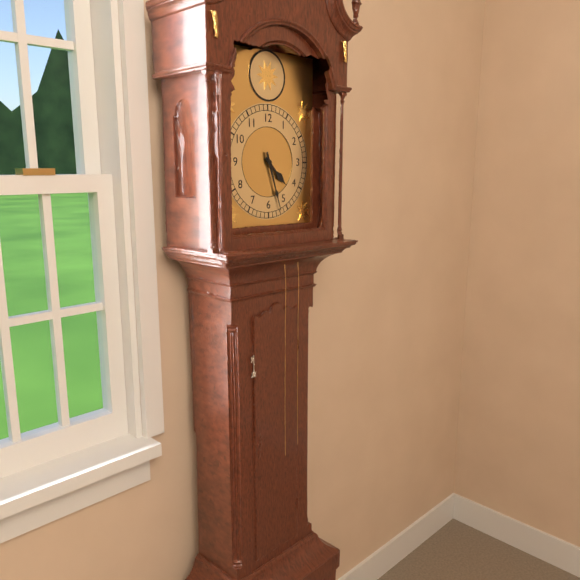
4 h 27 min
